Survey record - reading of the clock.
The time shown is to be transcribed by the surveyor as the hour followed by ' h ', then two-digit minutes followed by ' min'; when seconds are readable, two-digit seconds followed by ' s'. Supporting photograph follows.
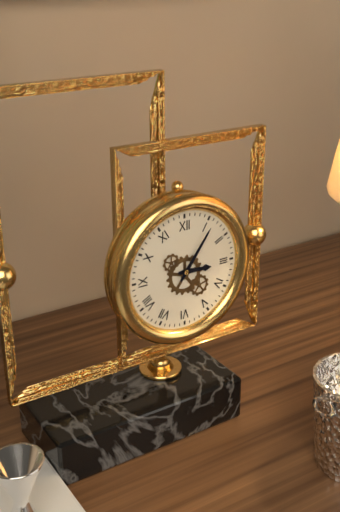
3 h 06 min
